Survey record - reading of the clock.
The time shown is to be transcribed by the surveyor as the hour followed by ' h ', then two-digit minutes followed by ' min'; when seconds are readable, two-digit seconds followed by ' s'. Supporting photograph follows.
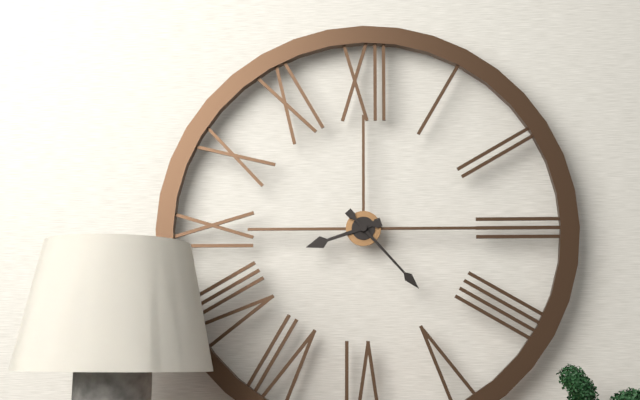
8 h 23 min
